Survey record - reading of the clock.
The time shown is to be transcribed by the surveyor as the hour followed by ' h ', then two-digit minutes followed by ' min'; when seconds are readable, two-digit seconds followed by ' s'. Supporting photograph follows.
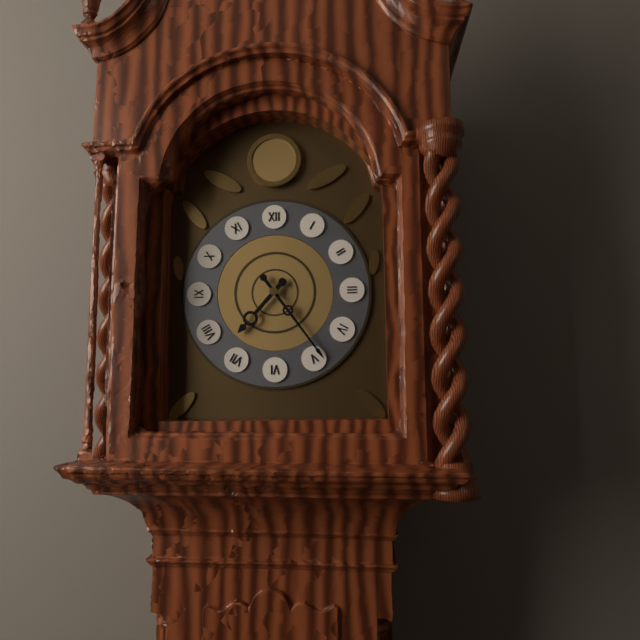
7 h 24 min
